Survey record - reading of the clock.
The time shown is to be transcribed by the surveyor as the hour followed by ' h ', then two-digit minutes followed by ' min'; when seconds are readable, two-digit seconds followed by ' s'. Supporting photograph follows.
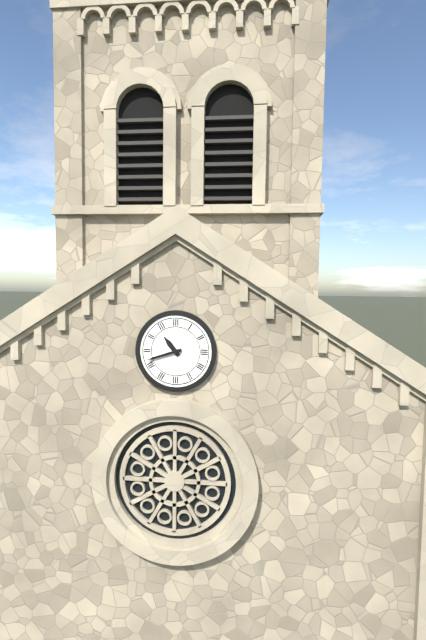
10 h 42 min
